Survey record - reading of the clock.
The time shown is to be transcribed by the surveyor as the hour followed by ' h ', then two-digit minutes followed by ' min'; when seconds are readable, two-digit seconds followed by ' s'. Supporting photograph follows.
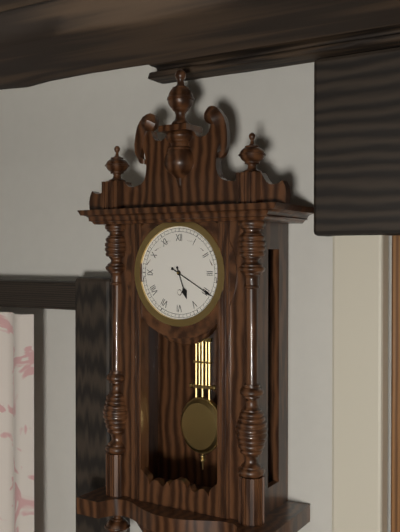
5 h 20 min
